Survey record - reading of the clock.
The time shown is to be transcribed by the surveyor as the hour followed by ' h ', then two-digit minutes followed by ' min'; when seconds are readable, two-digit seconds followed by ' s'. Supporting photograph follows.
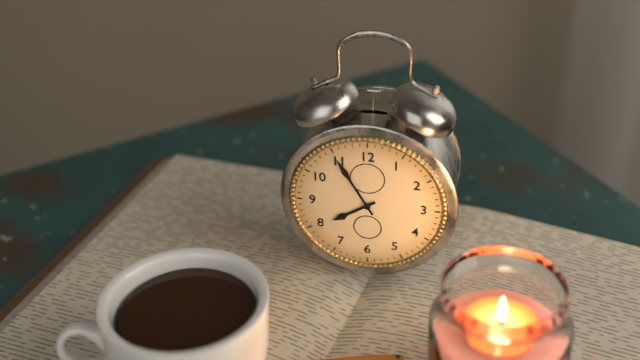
7 h 55 min
